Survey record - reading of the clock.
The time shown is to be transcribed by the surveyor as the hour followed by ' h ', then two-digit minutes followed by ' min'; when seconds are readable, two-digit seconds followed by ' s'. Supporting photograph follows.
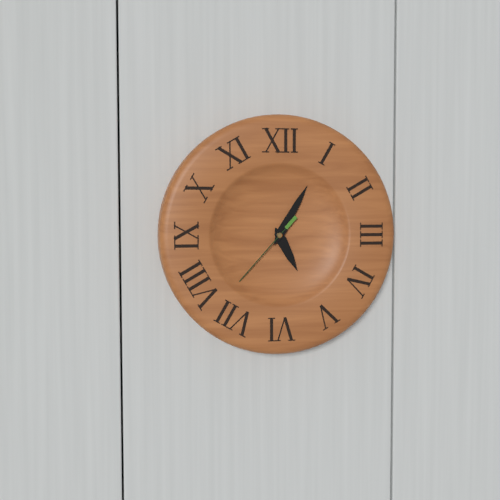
5 h 05 min 37 s
